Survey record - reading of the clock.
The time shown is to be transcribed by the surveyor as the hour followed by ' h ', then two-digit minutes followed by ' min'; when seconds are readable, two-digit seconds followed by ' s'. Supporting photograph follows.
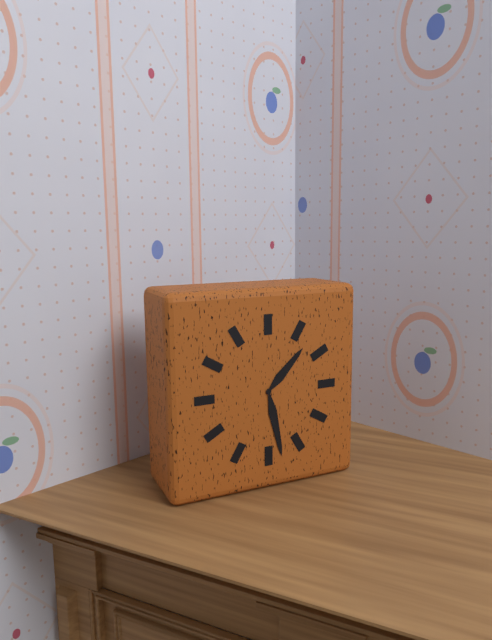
1 h 28 min
